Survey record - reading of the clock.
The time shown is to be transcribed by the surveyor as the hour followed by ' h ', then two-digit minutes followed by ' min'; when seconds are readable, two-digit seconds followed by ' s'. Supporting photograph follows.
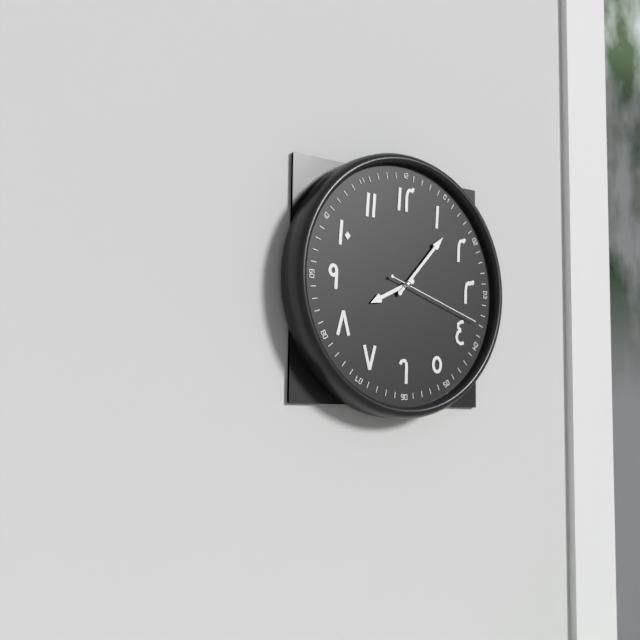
8 h 07 min 18 s
